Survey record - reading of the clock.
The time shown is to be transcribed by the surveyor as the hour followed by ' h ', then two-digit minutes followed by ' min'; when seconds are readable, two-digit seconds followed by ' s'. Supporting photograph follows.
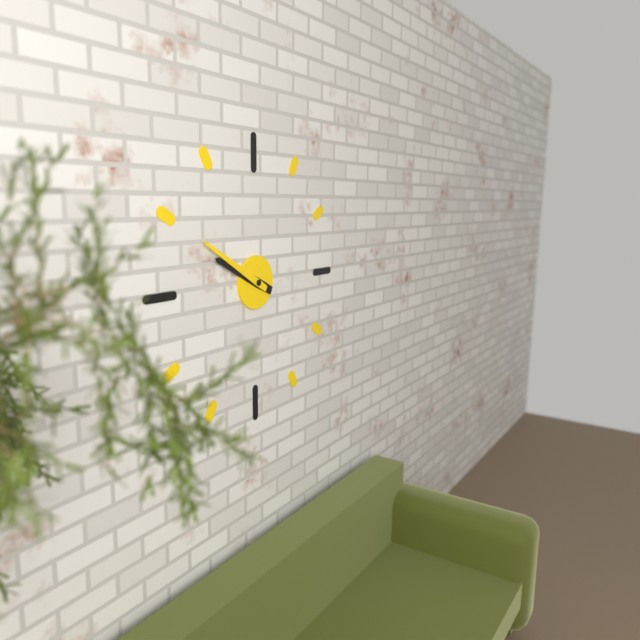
9 h 50 min
